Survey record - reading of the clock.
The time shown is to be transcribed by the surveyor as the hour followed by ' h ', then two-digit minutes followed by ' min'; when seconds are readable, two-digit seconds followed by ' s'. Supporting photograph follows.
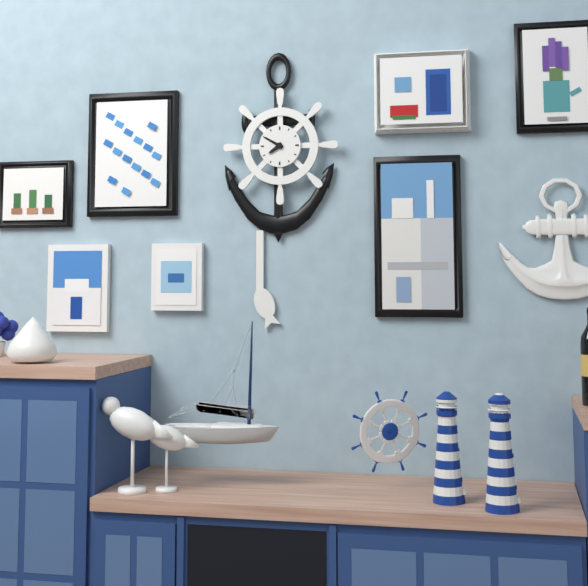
7 h 50 min
